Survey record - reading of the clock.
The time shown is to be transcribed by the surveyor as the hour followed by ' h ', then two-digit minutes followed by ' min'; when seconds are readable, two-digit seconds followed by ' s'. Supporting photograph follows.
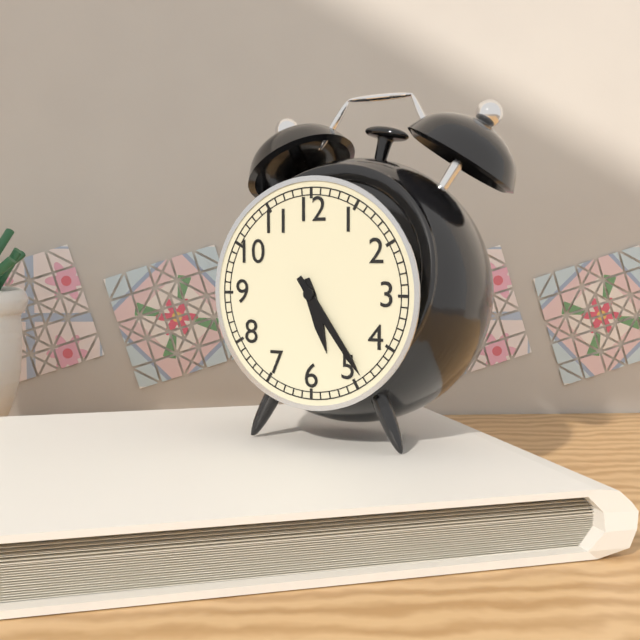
5 h 24 min
